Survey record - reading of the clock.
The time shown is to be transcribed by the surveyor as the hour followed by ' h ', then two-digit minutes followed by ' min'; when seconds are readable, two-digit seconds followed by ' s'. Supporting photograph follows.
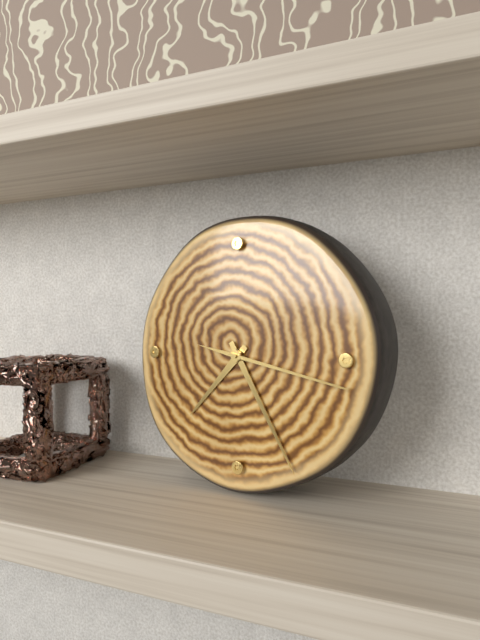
7 h 25 min 17 s
